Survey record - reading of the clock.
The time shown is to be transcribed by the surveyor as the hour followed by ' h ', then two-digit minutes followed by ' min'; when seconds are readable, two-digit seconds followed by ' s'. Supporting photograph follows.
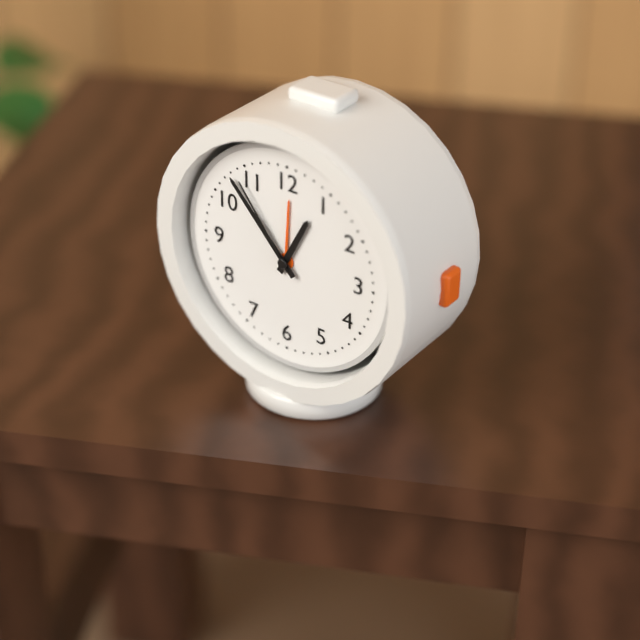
12 h 53 min 54 s
